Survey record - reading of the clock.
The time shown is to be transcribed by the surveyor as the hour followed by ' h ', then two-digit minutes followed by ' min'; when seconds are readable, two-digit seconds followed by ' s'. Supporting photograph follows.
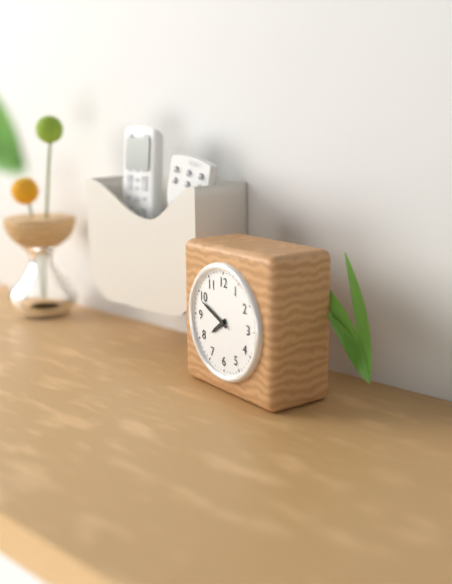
7 h 49 min
